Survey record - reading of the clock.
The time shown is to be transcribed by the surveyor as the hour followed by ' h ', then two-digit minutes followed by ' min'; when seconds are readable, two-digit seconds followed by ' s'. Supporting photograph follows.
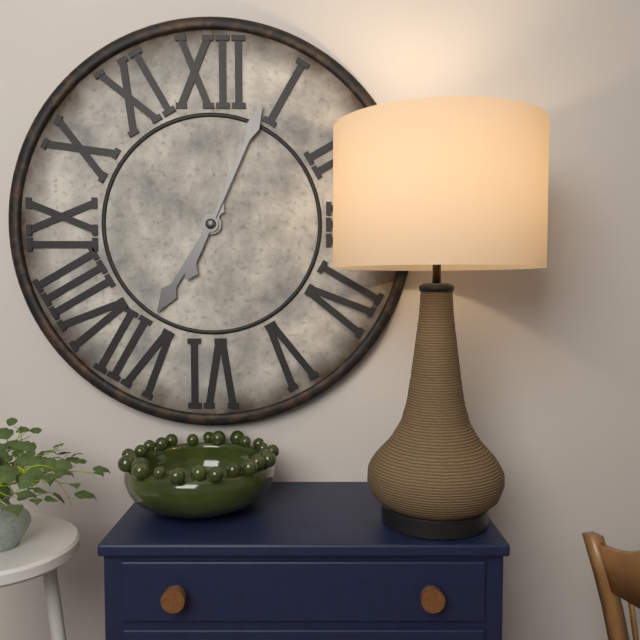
7 h 04 min
